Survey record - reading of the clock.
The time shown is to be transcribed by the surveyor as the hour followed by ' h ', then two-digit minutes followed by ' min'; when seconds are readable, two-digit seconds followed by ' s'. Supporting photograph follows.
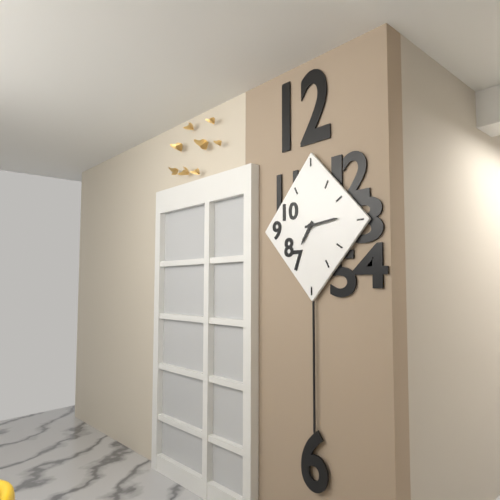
7 h 14 min
